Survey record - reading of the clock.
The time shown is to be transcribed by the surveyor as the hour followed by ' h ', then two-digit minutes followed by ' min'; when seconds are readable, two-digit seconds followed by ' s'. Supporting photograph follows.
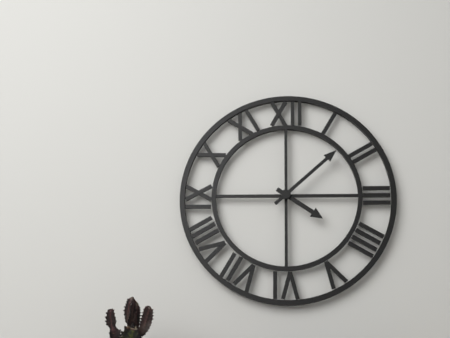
4 h 08 min
